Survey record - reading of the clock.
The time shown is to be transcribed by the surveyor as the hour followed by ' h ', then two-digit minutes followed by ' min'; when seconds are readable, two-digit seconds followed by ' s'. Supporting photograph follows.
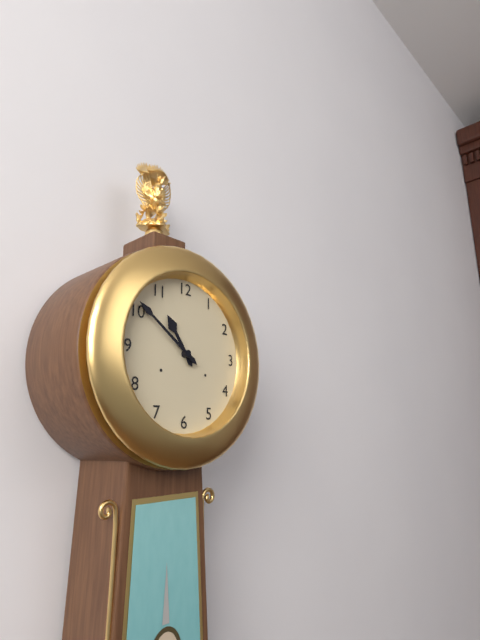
10 h 51 min
